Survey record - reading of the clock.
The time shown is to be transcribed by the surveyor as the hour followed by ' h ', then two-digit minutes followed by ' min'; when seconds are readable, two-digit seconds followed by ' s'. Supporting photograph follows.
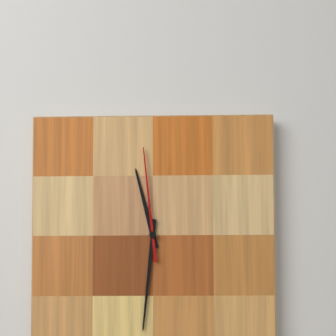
11 h 31 min 59 s
